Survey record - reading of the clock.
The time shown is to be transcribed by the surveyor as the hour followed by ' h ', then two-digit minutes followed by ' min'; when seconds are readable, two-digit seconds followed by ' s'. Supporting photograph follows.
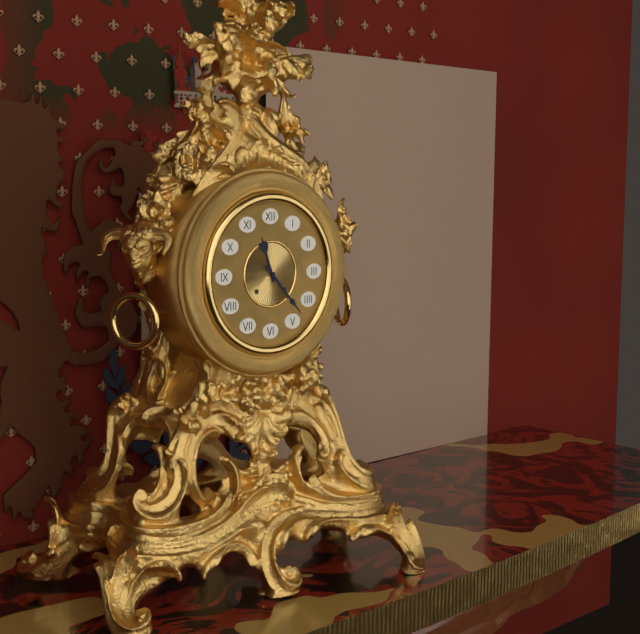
11 h 23 min
